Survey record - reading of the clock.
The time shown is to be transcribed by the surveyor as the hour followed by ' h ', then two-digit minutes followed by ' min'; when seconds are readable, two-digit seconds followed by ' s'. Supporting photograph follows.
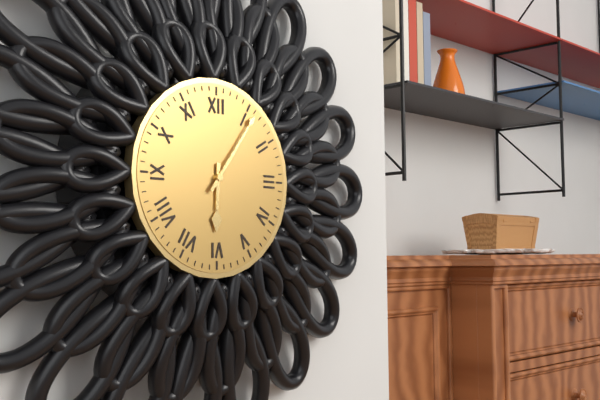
6 h 06 min
